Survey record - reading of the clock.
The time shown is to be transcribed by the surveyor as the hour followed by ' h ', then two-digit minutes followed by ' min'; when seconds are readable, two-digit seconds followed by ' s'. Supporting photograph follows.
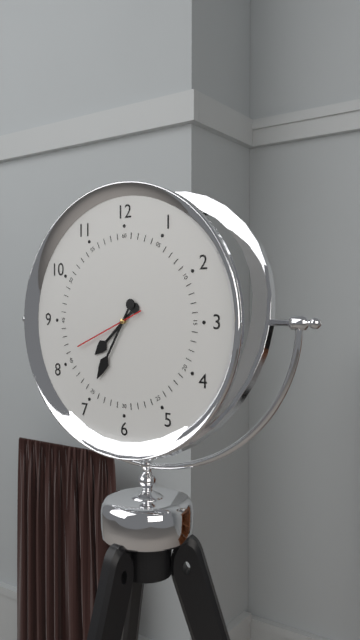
7 h 35 min 41 s
